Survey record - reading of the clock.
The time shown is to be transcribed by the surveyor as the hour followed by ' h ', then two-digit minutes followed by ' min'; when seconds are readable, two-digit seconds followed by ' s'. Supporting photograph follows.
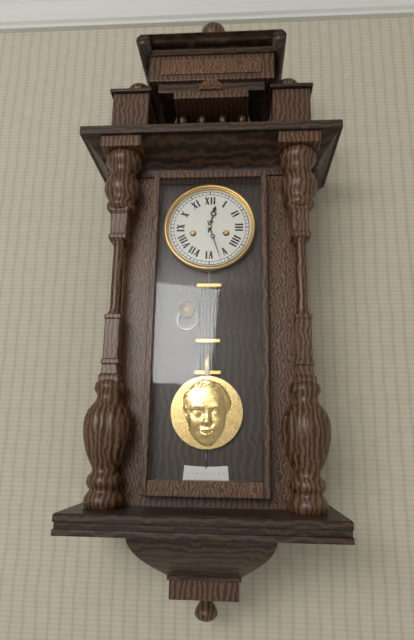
12 h 27 min
